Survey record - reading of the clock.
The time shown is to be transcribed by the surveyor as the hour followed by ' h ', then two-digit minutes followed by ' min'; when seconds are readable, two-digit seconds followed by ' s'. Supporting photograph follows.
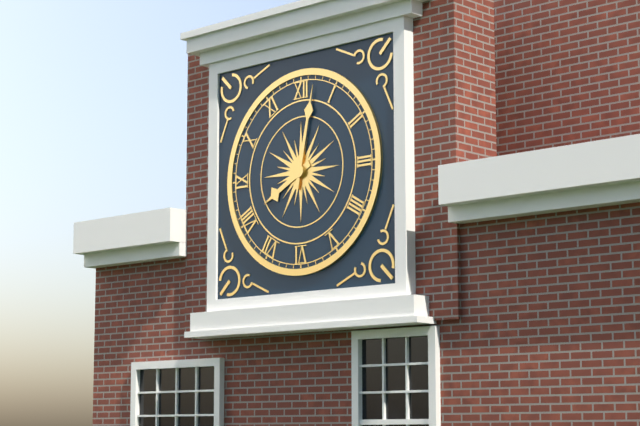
8 h 02 min
